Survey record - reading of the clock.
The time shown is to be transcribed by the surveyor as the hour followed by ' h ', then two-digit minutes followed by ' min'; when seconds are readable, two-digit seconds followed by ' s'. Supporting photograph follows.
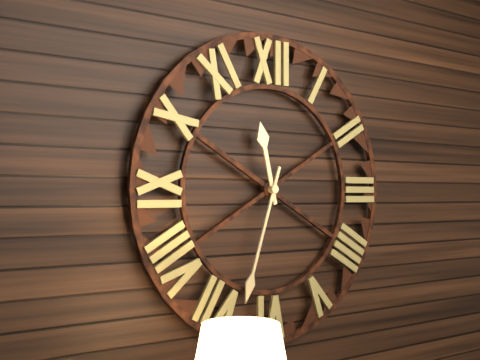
11 h 33 min
